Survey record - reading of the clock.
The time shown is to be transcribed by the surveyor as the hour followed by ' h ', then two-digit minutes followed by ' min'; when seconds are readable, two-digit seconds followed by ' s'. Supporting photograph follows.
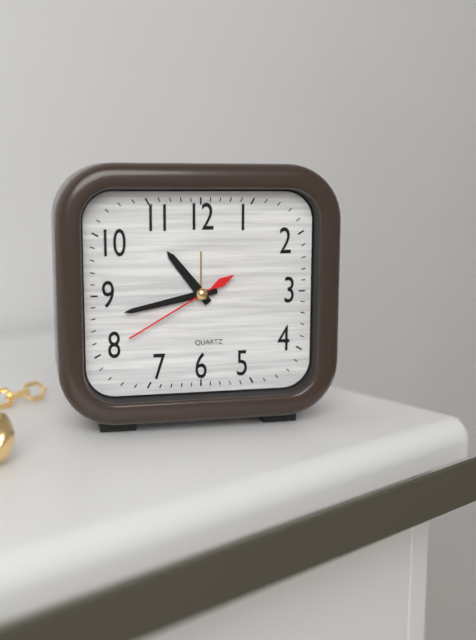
10 h 43 min 40 s
